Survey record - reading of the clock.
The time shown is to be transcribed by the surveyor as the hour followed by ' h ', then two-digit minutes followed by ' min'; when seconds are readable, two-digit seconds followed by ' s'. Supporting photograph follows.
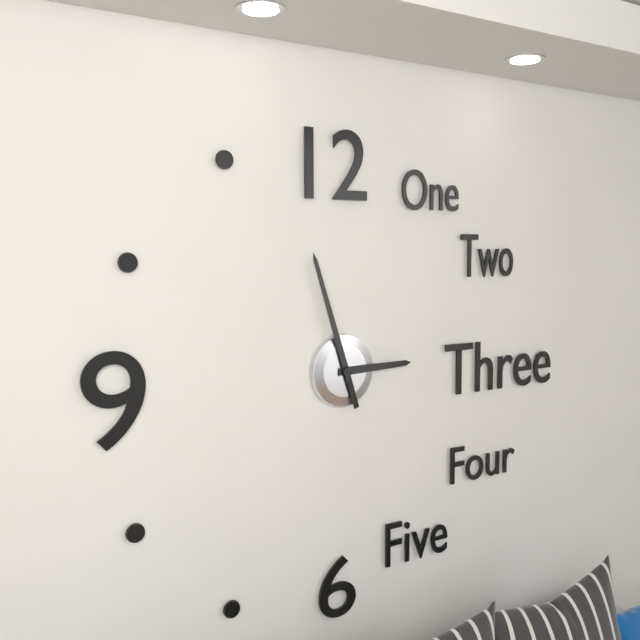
2 h 57 min
